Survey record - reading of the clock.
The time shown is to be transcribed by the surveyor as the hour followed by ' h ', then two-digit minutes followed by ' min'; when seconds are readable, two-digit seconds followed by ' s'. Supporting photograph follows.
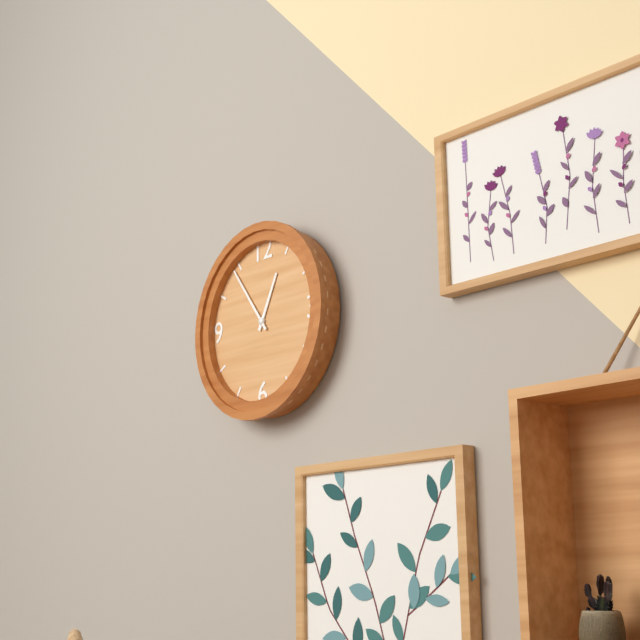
12 h 54 min
